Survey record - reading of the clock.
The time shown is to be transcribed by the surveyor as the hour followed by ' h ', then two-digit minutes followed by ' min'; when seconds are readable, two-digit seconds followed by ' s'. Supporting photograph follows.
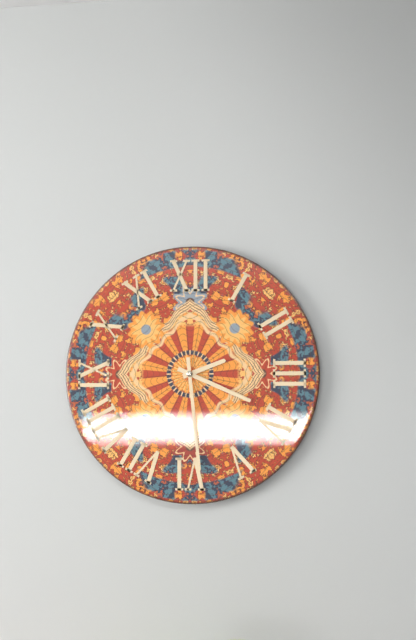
2 h 19 min 29 s
